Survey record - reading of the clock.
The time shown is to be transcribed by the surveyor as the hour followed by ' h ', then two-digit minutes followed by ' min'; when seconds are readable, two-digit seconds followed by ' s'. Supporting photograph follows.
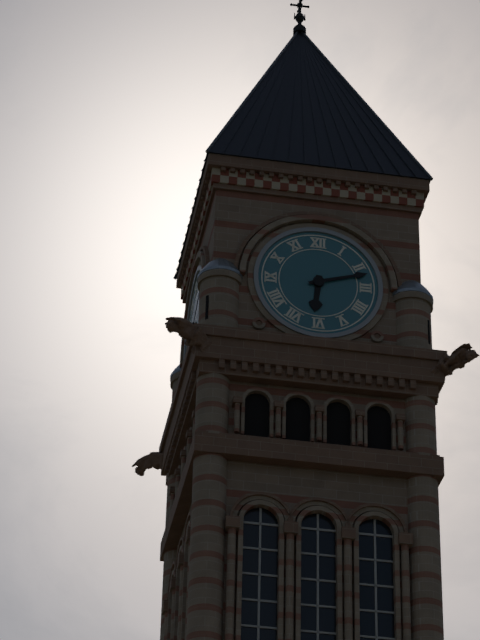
6 h 12 min
